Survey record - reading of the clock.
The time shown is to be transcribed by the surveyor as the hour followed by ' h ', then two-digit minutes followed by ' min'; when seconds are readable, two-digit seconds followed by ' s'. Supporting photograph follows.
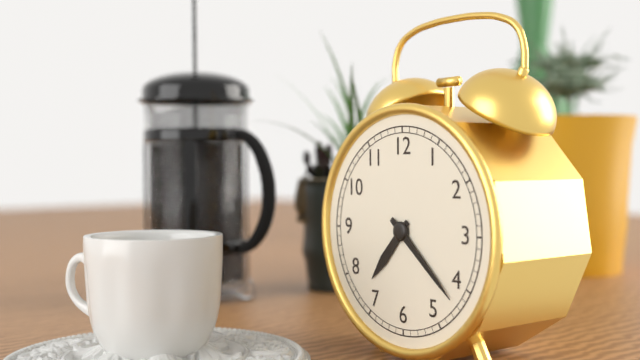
7 h 22 min
